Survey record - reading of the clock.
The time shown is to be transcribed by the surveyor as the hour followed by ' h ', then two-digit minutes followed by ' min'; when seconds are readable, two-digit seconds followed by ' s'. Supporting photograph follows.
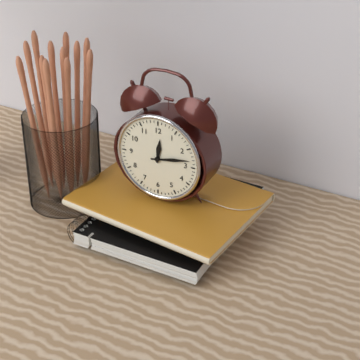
12 h 13 min
